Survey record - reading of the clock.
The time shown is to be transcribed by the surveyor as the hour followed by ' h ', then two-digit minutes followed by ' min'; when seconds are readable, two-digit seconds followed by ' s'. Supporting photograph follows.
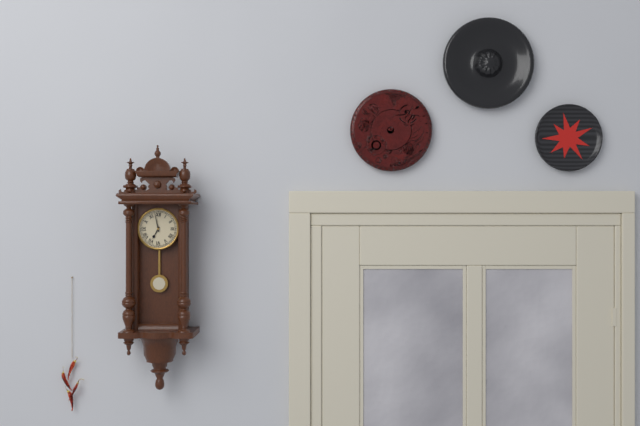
6 h 58 min
